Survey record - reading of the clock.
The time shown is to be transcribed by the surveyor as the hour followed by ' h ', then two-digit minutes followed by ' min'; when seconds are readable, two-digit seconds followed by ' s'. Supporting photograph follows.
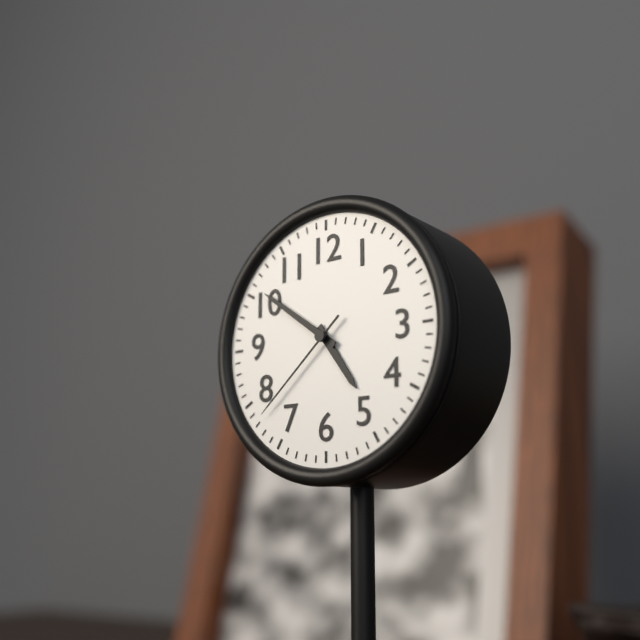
4 h 51 min 38 s
